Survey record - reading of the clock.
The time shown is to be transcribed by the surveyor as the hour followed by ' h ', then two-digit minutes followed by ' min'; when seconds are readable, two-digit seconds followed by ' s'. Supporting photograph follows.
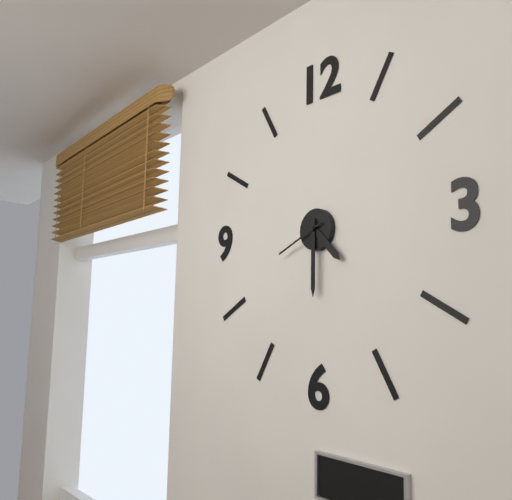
4 h 30 min 41 s
